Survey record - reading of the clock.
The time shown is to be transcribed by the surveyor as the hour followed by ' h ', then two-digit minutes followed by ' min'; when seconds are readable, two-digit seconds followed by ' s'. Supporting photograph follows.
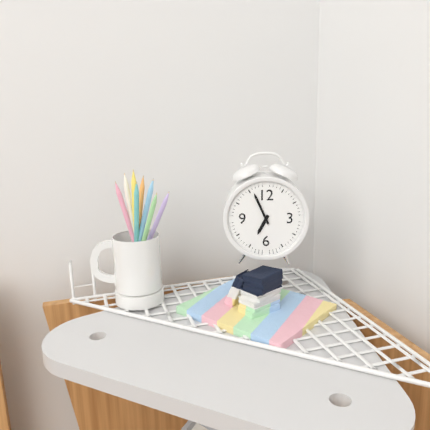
6 h 56 min
